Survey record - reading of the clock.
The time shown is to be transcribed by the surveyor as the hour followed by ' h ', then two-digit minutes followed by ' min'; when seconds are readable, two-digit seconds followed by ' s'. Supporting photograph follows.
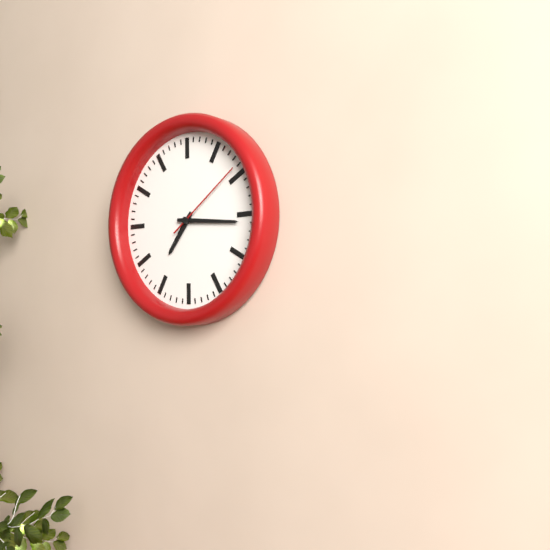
7 h 16 min 09 s
